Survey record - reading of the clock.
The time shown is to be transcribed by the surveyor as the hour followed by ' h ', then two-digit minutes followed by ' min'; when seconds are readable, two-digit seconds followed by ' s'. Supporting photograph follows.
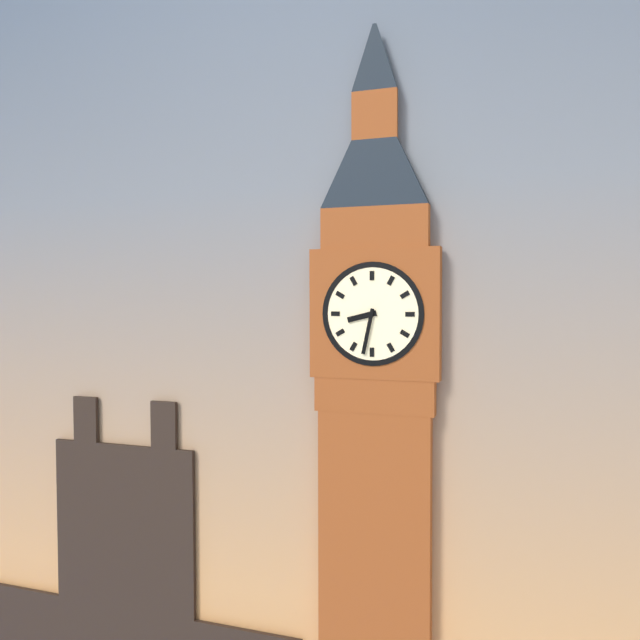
8 h 32 min
